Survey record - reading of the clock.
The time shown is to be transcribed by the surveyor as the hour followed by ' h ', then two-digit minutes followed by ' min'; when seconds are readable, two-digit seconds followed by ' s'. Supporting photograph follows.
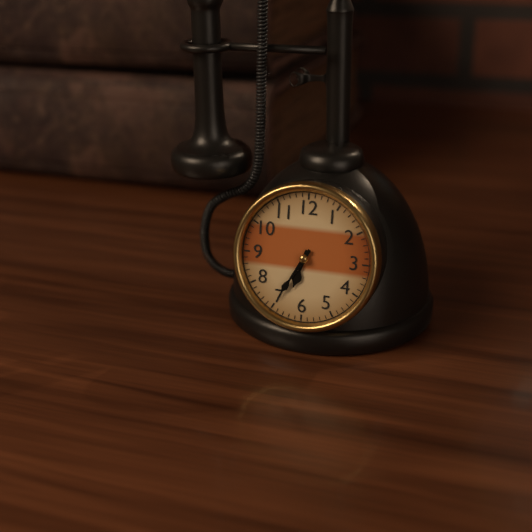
6 h 35 min
